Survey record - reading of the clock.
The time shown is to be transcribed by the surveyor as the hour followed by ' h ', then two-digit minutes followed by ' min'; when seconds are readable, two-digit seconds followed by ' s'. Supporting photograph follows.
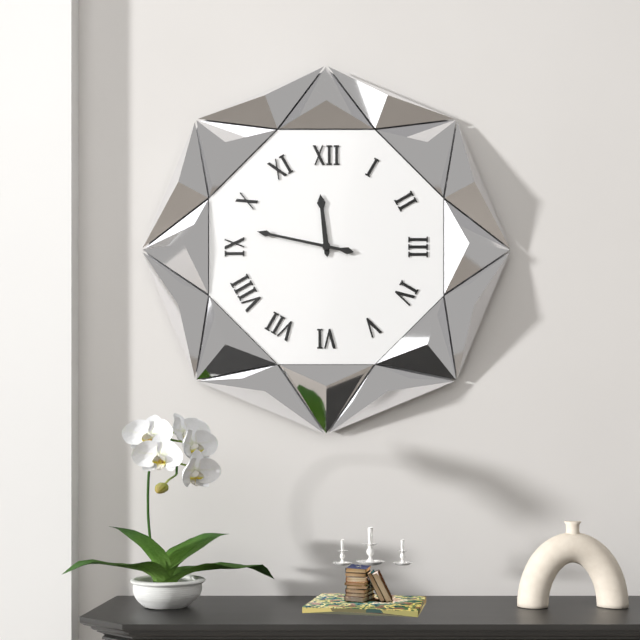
11 h 47 min
